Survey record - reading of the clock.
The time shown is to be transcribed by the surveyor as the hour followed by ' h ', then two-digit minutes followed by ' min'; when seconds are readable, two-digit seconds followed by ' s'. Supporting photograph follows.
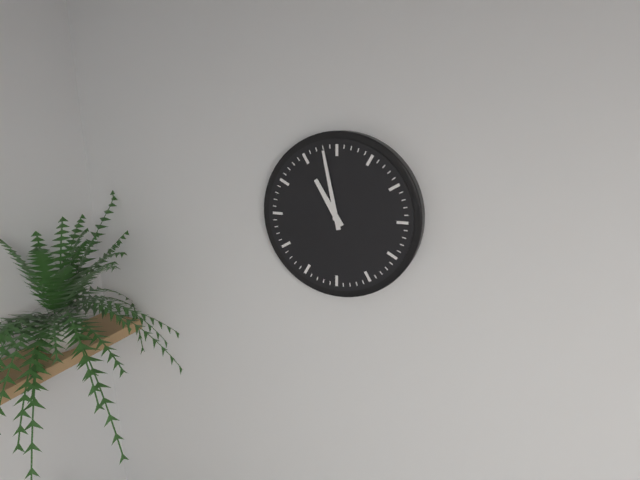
10 h 58 min
